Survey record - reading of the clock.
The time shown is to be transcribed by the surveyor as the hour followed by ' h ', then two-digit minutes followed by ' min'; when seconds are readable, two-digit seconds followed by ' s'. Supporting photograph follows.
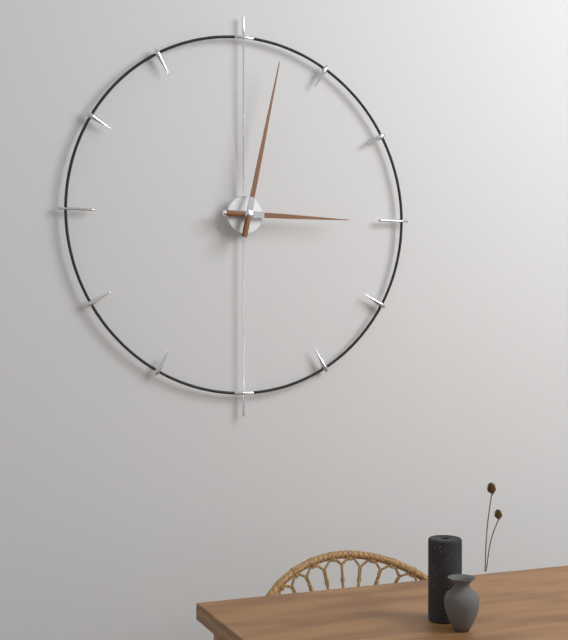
3 h 02 min
